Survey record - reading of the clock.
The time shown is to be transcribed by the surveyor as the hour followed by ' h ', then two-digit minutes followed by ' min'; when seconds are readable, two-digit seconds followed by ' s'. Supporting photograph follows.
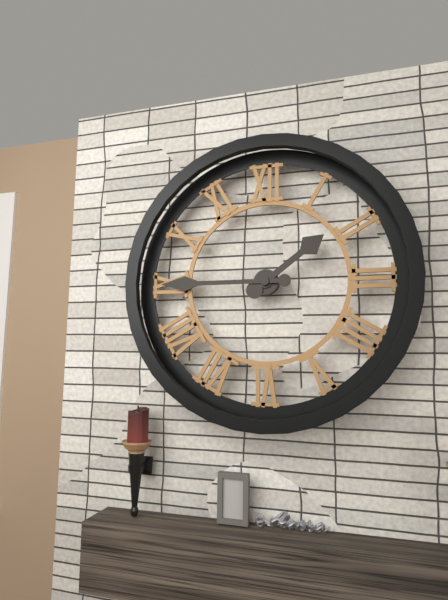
1 h 45 min
